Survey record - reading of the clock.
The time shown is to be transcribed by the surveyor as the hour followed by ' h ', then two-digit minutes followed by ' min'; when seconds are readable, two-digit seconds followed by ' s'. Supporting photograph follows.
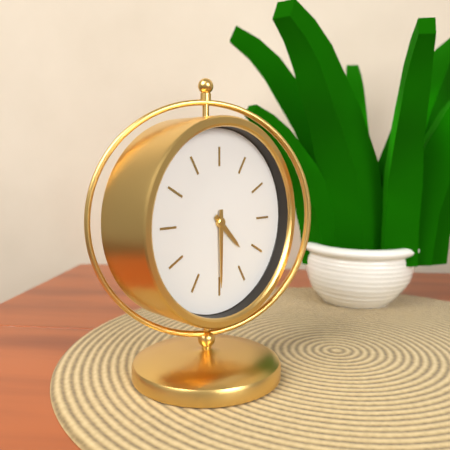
4 h 30 min
